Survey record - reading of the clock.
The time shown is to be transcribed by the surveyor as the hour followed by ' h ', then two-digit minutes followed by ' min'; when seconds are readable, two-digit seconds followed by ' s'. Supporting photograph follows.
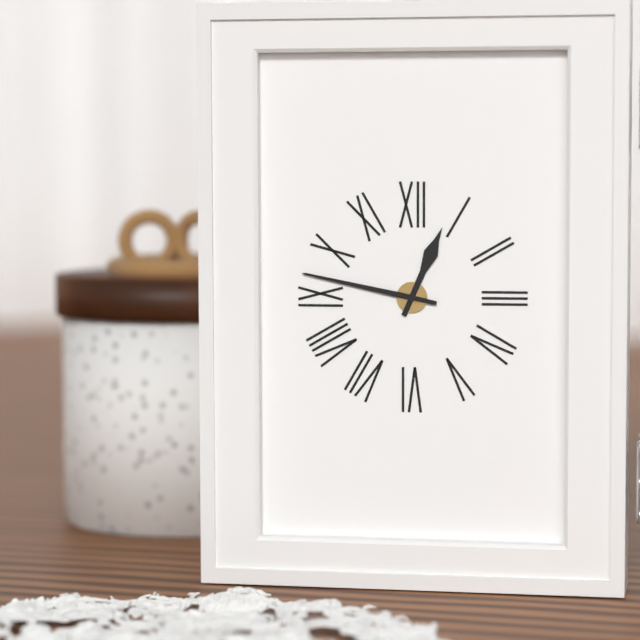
12 h 47 min
